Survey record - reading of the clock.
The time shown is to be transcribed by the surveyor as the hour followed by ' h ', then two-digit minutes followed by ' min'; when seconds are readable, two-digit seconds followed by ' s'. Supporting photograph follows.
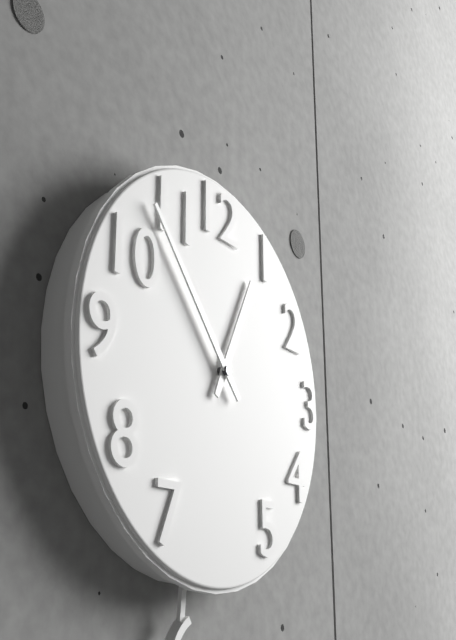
12 h 53 min
